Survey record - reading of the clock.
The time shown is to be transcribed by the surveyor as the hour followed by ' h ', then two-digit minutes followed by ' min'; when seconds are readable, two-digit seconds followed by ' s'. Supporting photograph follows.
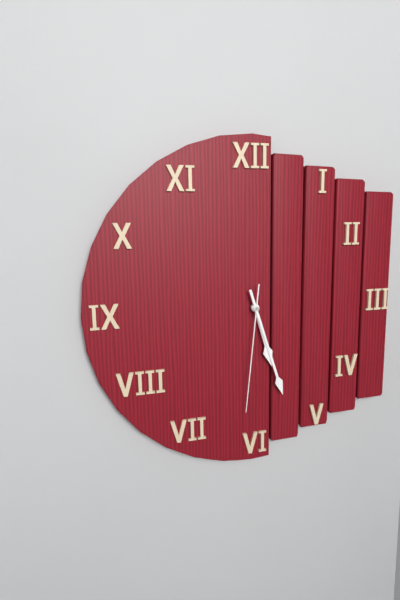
5 h 27 min 31 s
